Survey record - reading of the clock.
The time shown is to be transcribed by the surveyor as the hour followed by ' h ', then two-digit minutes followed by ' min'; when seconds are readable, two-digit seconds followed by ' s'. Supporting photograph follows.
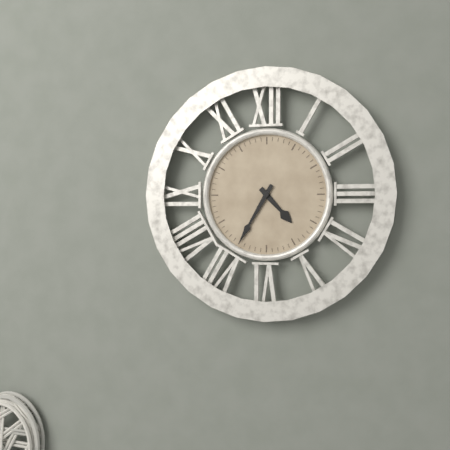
4 h 35 min
